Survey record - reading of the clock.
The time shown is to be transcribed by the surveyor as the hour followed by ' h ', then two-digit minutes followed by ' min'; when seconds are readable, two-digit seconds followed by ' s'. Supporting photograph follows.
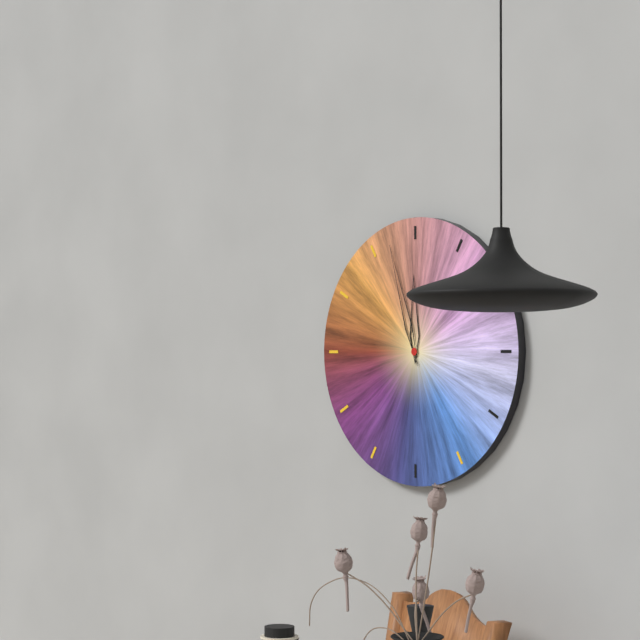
11 h 57 min
